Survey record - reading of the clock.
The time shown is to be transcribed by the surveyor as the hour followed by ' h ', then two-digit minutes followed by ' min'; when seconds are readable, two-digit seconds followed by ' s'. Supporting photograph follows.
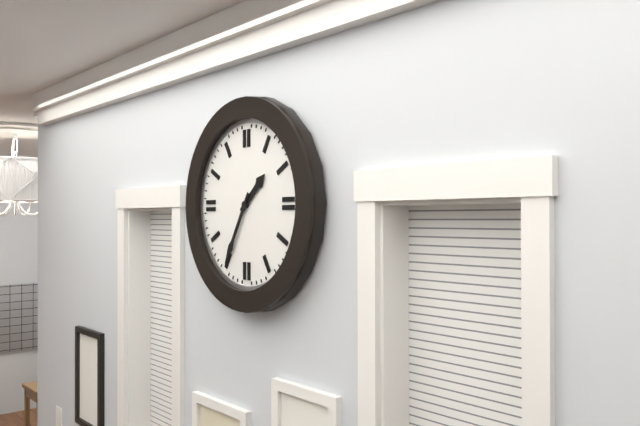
1 h 35 min
